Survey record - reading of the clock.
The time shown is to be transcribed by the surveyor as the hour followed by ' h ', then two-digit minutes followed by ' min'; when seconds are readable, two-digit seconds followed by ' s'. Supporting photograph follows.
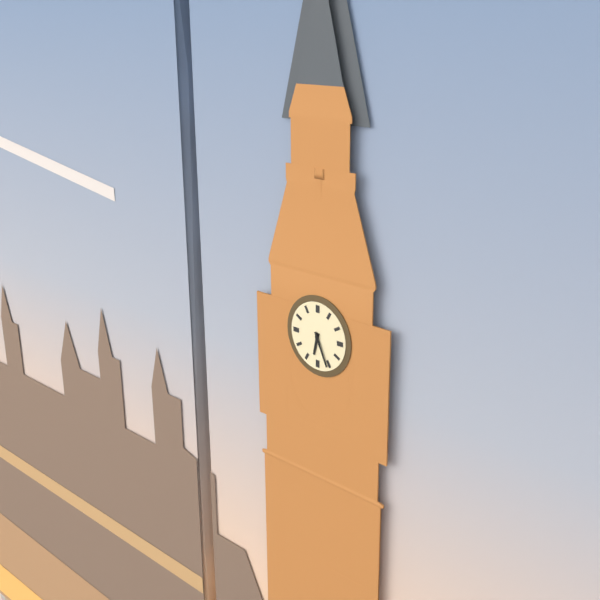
6 h 26 min
